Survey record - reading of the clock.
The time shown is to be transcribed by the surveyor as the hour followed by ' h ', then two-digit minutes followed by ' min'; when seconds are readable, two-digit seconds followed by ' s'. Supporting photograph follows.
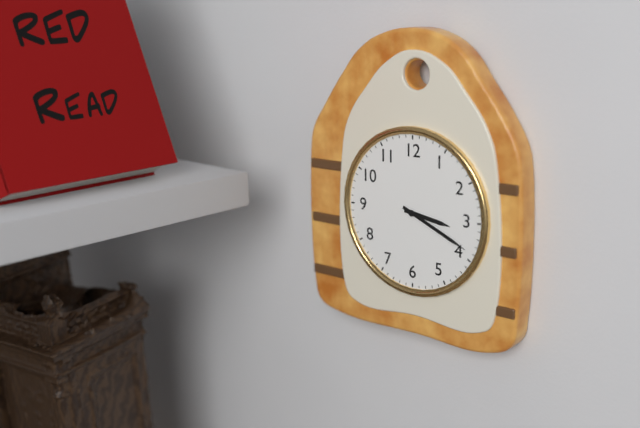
3 h 19 min
